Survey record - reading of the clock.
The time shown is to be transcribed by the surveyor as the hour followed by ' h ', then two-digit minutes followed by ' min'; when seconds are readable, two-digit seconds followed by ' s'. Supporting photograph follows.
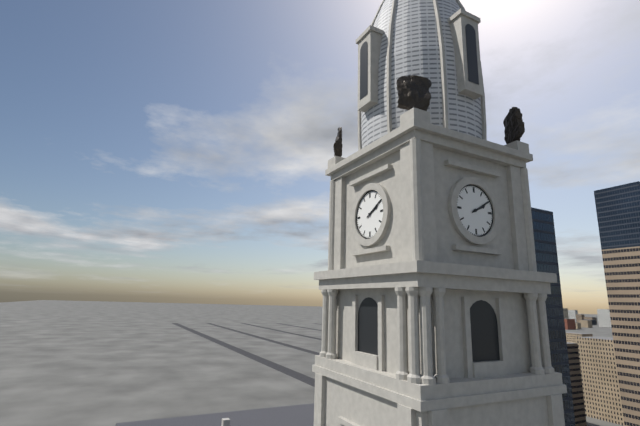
2 h 10 min
